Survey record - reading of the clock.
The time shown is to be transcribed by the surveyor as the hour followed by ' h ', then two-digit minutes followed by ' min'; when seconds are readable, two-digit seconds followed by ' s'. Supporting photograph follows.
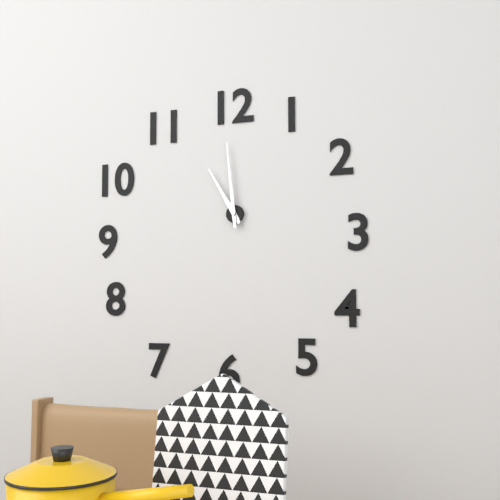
10 h 59 min
